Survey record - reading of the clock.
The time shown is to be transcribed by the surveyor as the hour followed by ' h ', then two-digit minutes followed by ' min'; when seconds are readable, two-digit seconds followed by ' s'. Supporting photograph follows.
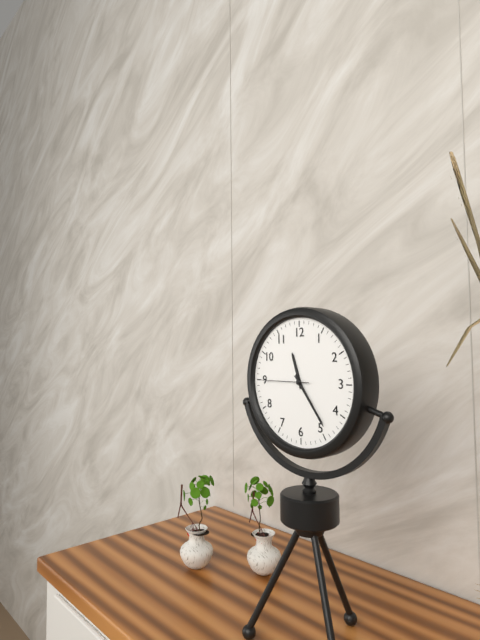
11 h 24 min
